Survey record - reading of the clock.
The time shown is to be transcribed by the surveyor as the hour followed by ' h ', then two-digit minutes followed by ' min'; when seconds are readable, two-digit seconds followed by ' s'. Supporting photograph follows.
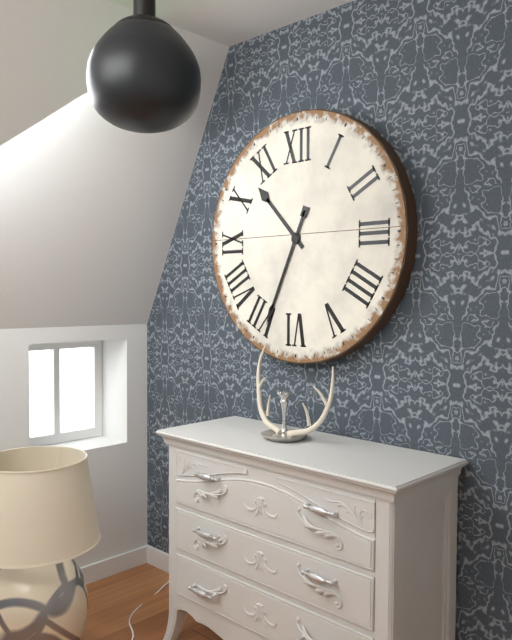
10 h 34 min
